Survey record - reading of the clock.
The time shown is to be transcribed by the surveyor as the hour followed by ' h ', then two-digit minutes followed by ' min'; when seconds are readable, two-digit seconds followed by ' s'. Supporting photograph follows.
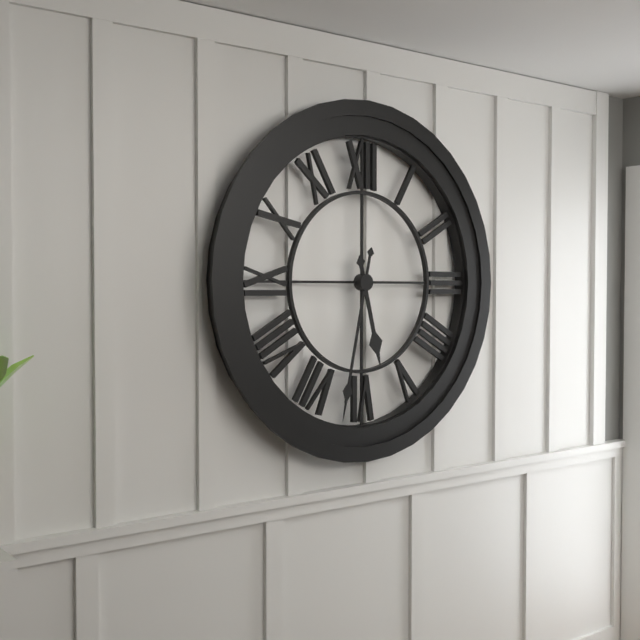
5 h 32 min
